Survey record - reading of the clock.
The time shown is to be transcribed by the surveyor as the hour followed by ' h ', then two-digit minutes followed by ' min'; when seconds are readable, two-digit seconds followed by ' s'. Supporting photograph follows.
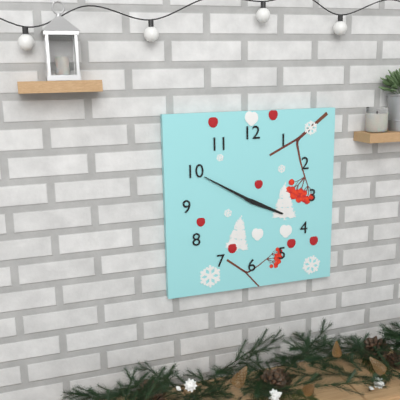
3 h 50 min
